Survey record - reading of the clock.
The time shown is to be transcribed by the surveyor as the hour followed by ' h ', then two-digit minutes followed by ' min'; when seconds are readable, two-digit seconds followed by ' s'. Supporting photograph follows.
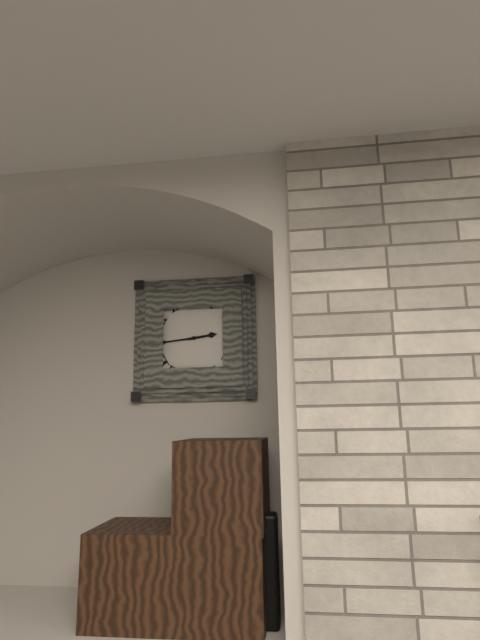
2 h 44 min
